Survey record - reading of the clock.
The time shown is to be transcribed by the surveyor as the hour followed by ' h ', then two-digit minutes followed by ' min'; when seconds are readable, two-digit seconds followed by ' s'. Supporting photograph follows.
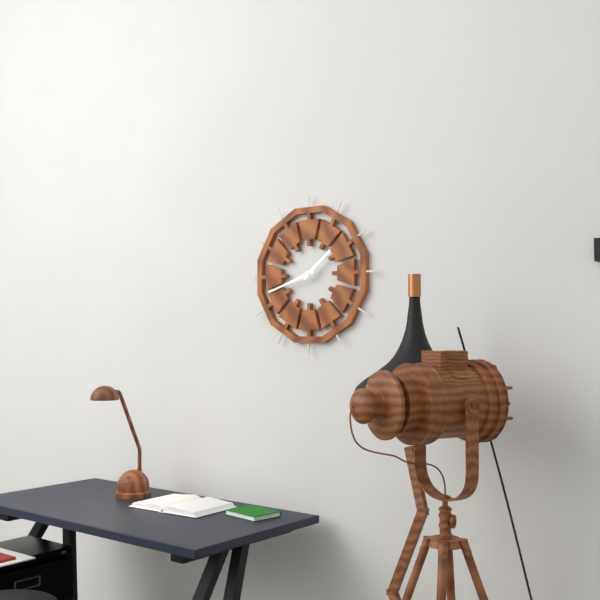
1 h 42 min
